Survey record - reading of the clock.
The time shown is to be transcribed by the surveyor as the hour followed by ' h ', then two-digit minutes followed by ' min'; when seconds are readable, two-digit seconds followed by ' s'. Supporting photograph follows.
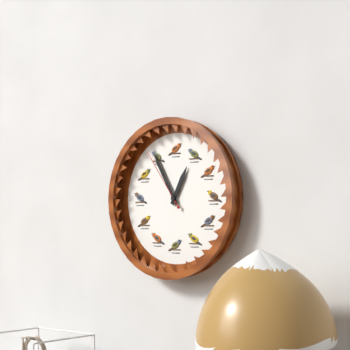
12 h 55 min 54 s
